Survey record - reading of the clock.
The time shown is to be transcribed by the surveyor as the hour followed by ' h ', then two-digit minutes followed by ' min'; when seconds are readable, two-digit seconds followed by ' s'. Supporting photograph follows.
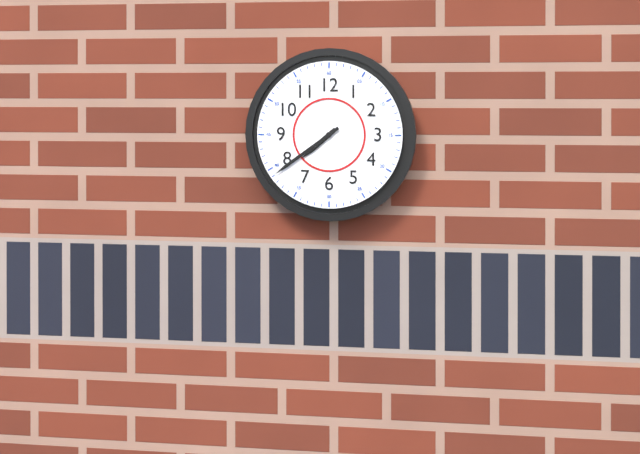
7 h 39 min
